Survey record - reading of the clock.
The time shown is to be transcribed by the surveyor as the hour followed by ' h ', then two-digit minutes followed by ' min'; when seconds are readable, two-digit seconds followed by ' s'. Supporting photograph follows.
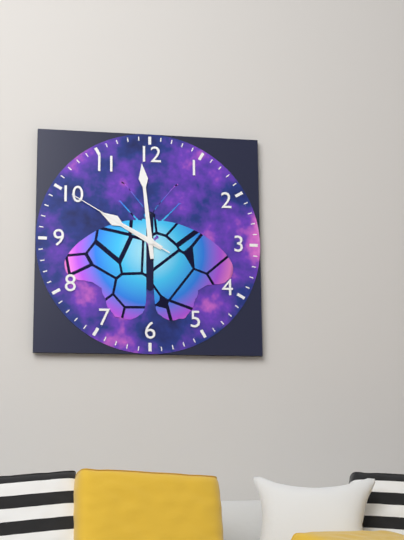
9 h 59 min 50 s
